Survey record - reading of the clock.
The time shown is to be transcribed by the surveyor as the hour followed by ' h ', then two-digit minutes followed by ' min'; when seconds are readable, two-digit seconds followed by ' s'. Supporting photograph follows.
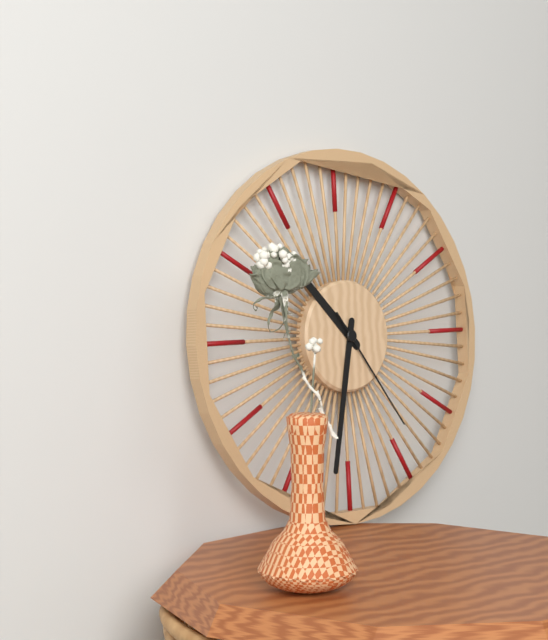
10 h 32 min 24 s
